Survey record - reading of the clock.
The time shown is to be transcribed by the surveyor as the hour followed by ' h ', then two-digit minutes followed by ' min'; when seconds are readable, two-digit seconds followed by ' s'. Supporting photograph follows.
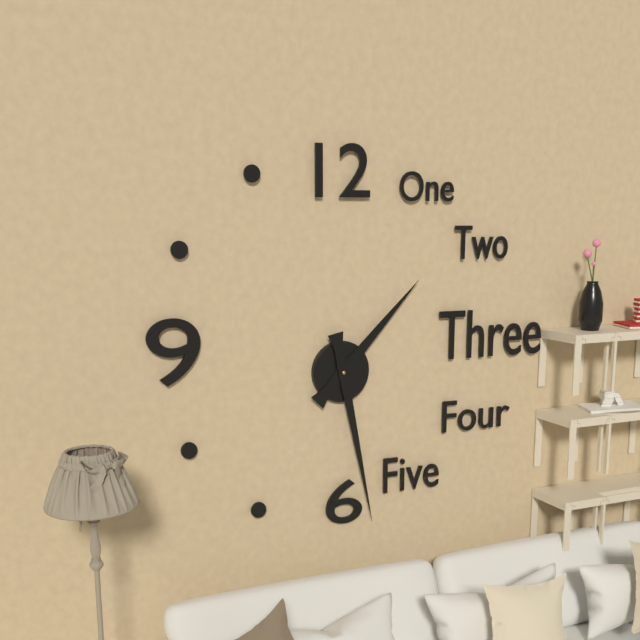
1 h 28 min
